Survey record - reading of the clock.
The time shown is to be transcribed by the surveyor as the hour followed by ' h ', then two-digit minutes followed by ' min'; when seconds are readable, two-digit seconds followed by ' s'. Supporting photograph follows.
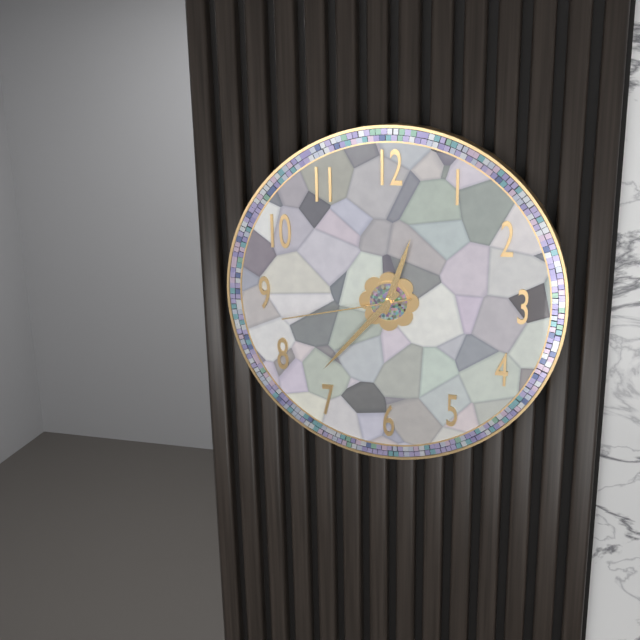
12 h 37 min 43 s
